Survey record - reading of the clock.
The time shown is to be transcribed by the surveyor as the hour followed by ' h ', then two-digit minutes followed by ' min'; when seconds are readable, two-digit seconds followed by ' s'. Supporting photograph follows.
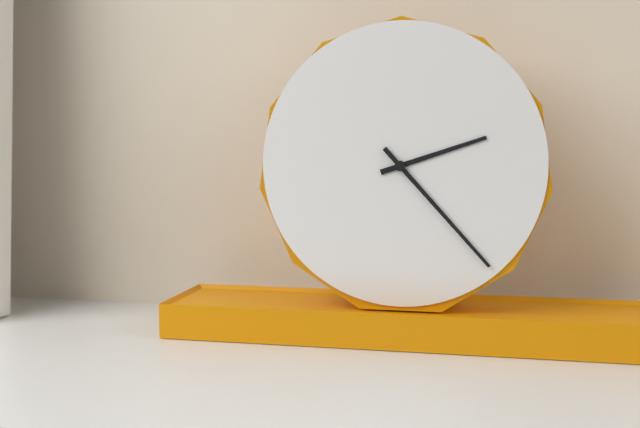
2 h 23 min
